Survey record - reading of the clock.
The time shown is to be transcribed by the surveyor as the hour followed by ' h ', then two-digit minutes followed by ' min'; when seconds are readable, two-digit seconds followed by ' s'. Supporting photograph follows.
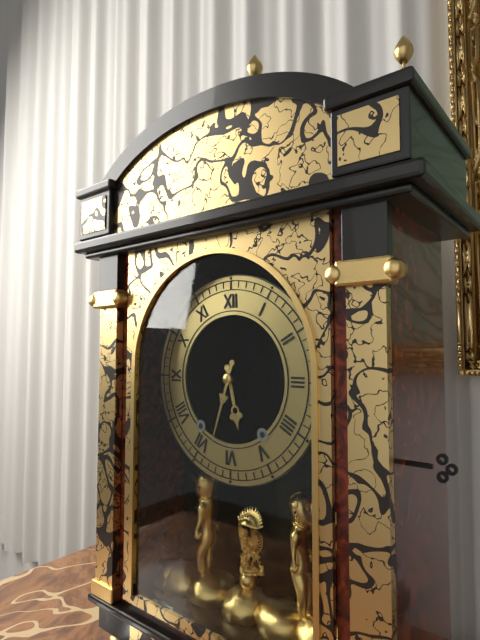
5 h 33 min
